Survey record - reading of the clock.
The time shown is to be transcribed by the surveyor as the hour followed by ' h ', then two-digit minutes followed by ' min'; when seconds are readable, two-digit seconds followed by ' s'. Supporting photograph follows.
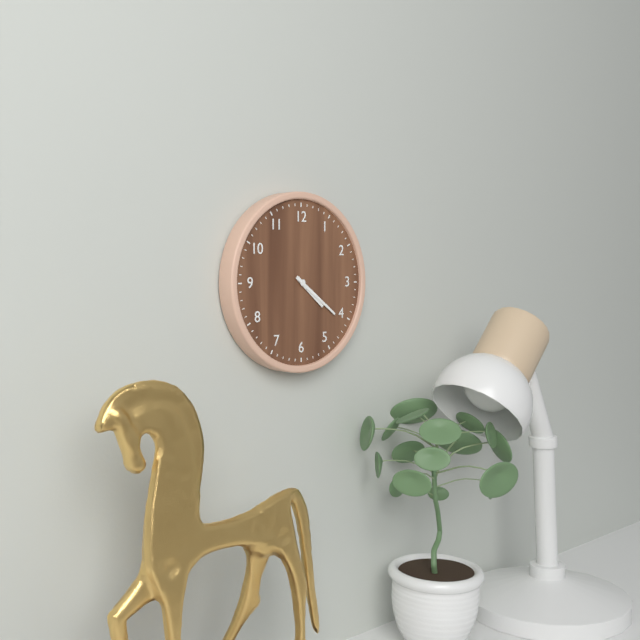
4 h 21 min
